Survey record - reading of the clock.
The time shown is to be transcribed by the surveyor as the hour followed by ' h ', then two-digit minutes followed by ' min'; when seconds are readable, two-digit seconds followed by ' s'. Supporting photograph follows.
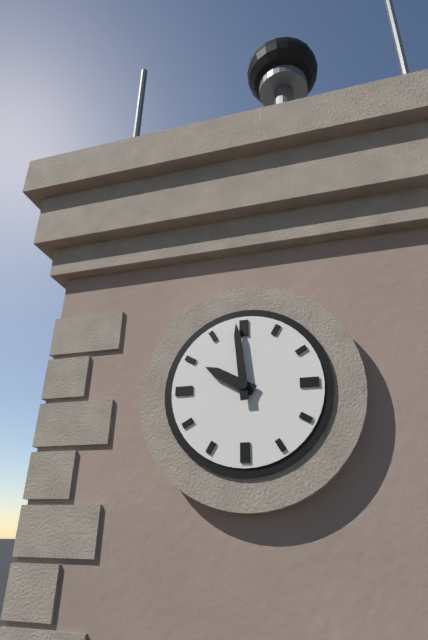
9 h 59 min
